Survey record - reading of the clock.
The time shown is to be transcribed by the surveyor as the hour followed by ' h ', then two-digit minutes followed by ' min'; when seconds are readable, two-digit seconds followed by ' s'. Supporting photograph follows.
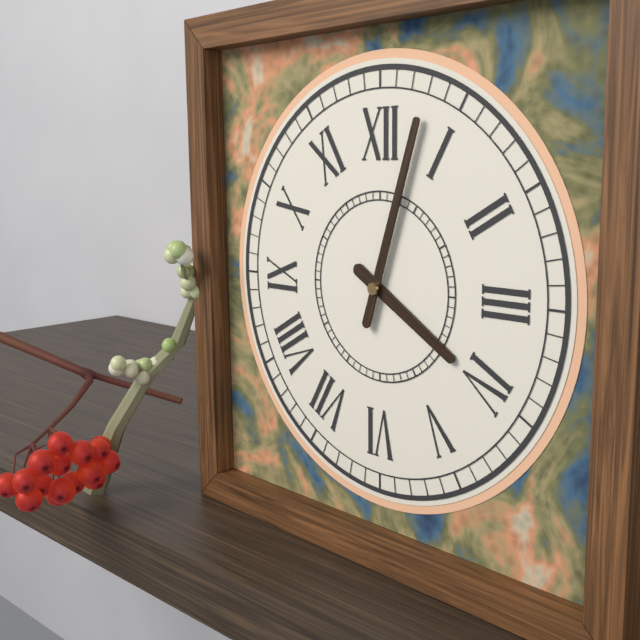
4 h 03 min
